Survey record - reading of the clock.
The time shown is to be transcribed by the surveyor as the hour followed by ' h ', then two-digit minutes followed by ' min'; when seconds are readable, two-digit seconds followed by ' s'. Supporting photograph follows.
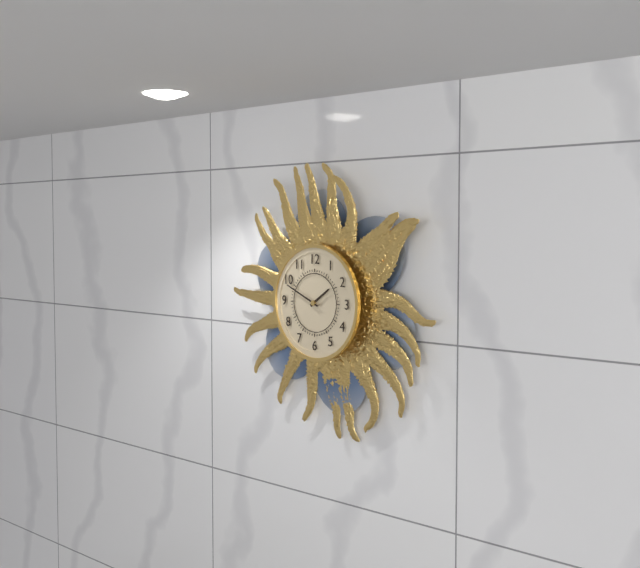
1 h 49 min
